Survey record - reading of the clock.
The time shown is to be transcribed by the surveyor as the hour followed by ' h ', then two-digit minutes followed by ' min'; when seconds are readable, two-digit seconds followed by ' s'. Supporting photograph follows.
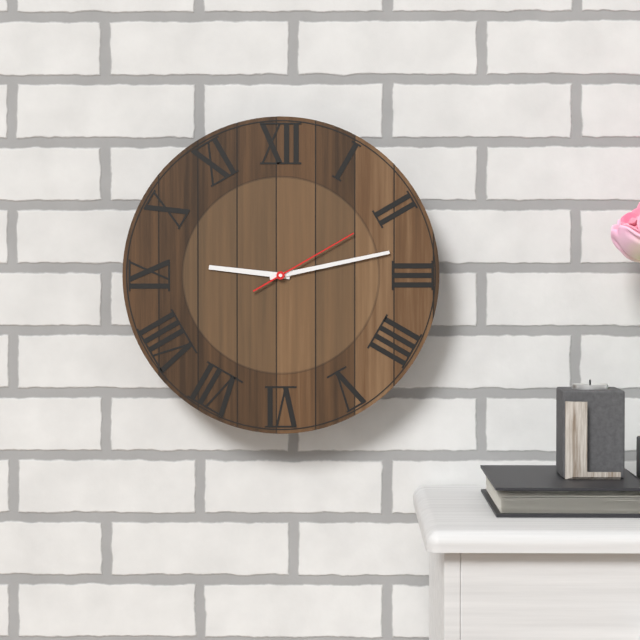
9 h 13 min 10 s
